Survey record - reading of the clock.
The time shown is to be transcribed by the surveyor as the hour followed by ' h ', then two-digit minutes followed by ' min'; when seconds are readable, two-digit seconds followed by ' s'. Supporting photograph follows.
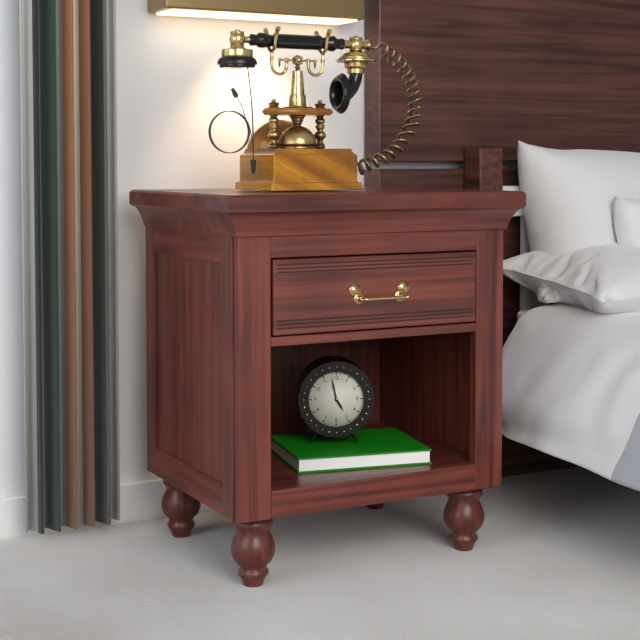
4 h 58 min
